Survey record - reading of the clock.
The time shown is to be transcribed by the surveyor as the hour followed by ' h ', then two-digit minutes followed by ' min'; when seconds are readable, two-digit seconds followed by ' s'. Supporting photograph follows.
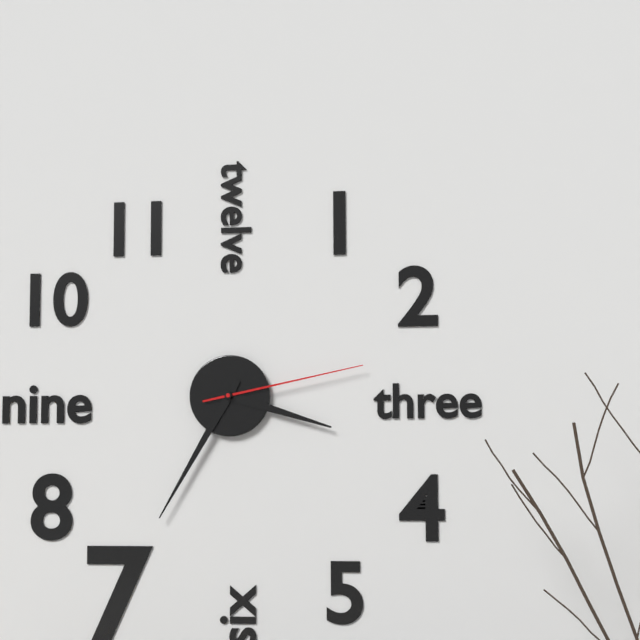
3 h 35 min 13 s
